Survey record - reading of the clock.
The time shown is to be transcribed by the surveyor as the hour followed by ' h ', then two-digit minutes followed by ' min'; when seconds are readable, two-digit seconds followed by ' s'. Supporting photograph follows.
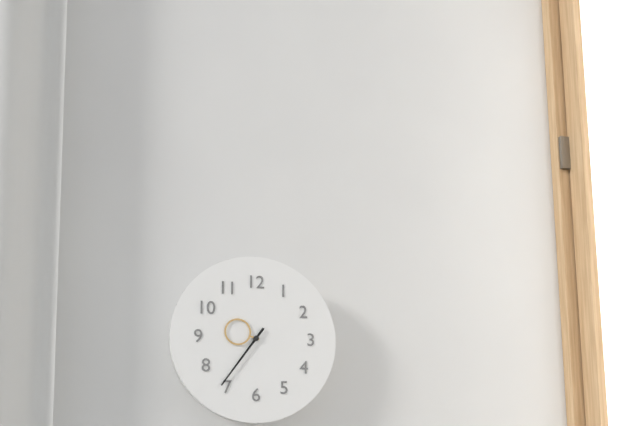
9 h 36 min
